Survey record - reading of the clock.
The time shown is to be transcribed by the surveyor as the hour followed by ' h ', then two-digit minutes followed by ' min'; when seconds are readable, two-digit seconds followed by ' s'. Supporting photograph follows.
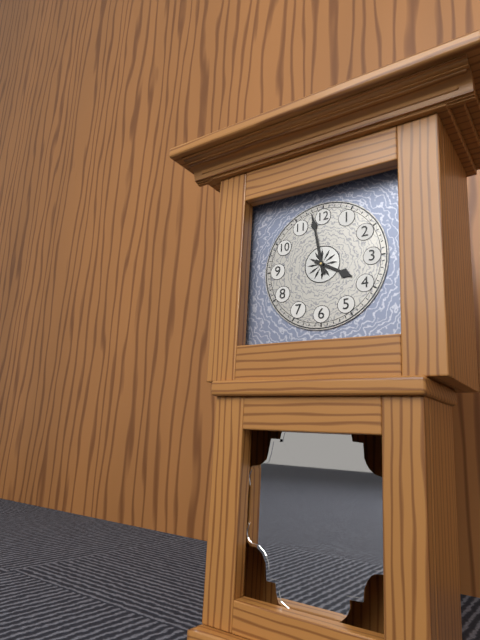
3 h 58 min
